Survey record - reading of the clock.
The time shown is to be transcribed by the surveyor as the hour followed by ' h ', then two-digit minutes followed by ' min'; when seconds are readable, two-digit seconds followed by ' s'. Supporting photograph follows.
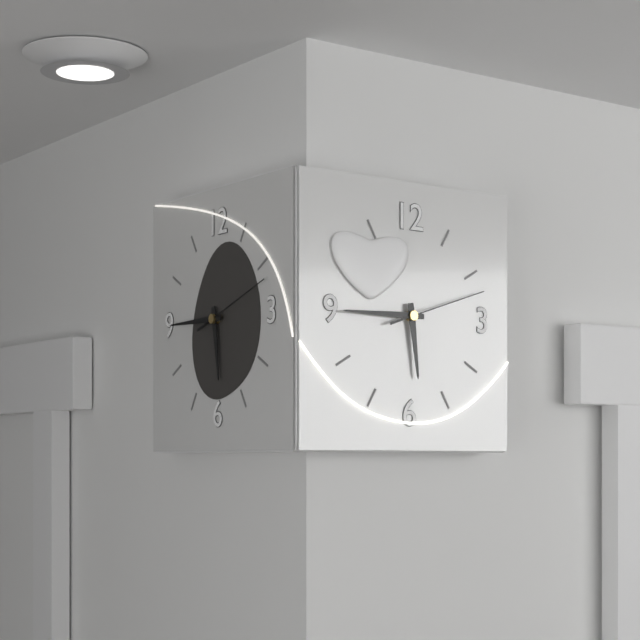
5 h 45 min 12 s
